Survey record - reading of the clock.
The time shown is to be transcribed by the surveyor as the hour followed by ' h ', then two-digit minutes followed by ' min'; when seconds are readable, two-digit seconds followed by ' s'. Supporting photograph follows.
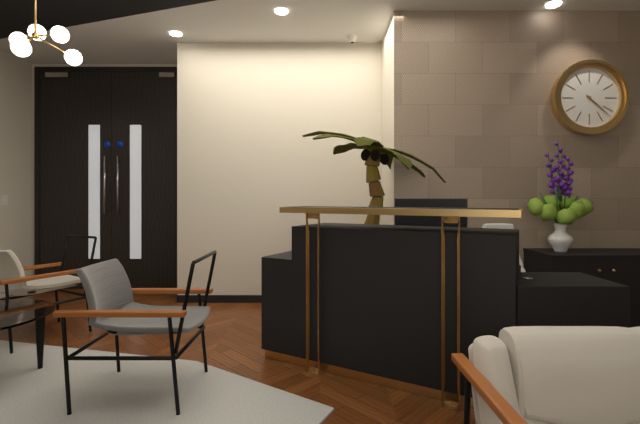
4 h 22 min
